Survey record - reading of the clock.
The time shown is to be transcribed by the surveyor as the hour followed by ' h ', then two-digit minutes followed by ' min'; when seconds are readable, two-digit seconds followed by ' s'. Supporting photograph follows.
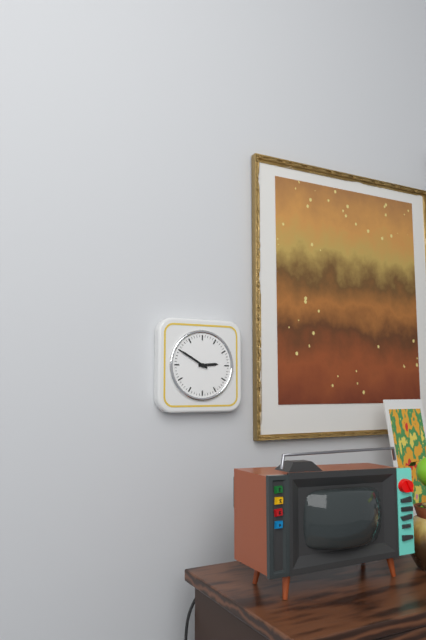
2 h 50 min
